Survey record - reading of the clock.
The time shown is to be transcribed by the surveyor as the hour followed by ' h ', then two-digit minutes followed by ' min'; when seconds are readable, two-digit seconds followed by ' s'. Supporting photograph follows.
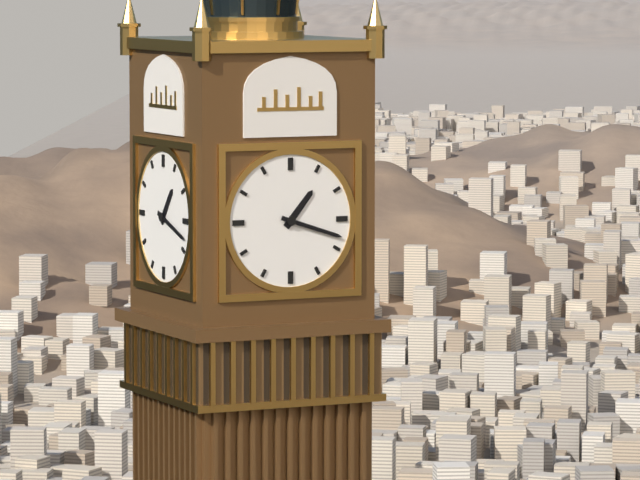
1 h 18 min
